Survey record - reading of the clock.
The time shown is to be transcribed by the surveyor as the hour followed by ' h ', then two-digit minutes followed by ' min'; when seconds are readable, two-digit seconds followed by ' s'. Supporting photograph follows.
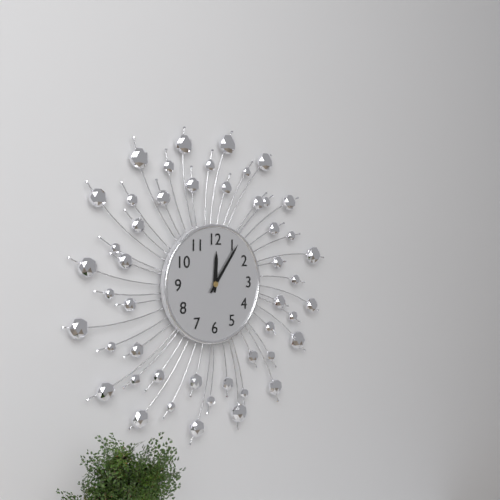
12 h 06 min
